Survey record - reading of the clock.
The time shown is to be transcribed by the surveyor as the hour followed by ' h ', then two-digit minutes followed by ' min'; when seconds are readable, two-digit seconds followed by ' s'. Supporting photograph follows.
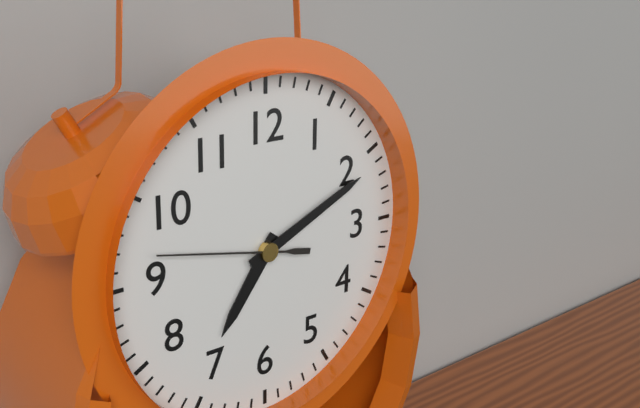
7 h 11 min 47 s
